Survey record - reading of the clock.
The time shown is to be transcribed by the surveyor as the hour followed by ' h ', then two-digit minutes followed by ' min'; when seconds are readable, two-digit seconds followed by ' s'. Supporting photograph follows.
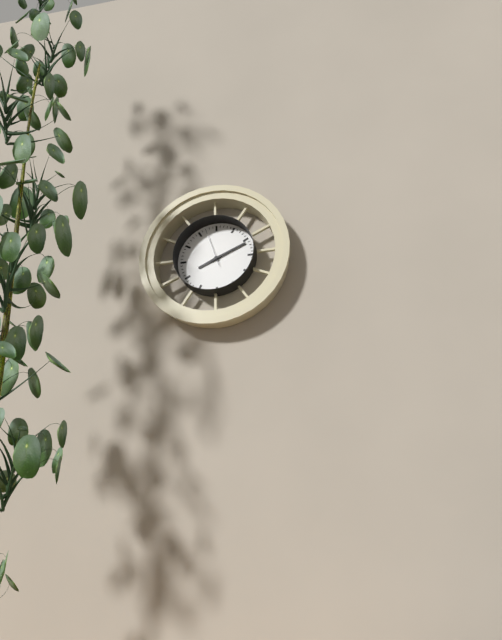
8 h 11 min
